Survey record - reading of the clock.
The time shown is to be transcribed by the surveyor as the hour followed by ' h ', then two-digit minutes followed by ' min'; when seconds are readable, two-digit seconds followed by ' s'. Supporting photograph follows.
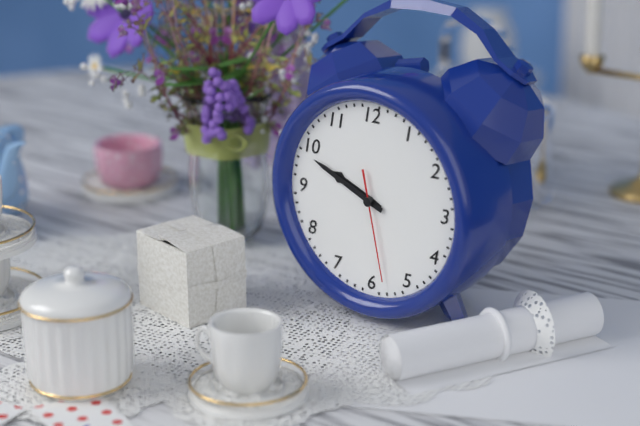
9 h 49 min 28 s
